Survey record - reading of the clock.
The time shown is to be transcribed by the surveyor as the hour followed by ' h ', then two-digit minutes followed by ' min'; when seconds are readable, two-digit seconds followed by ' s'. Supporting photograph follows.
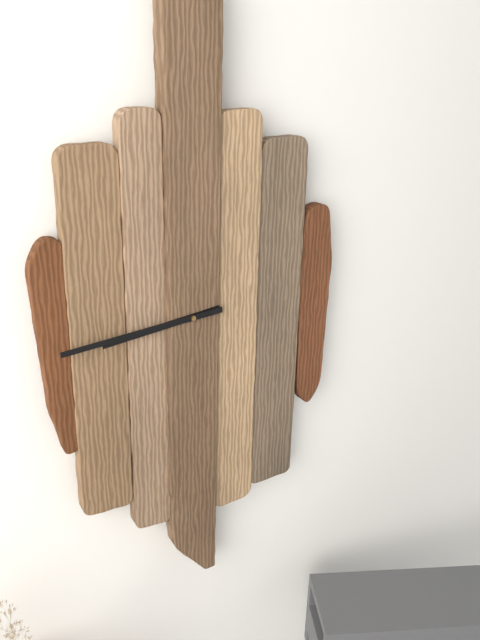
8 h 44 min
